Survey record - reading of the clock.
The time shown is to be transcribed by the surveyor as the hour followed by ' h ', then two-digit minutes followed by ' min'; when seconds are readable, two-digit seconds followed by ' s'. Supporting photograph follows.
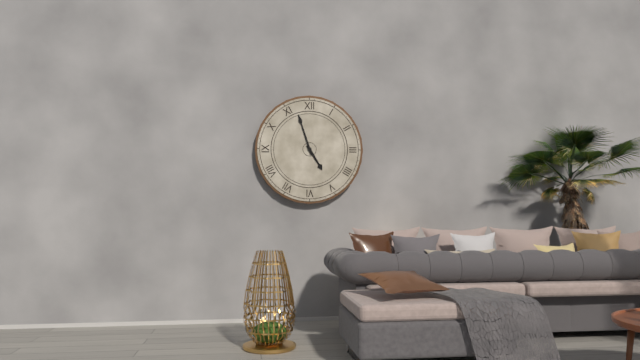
4 h 57 min
